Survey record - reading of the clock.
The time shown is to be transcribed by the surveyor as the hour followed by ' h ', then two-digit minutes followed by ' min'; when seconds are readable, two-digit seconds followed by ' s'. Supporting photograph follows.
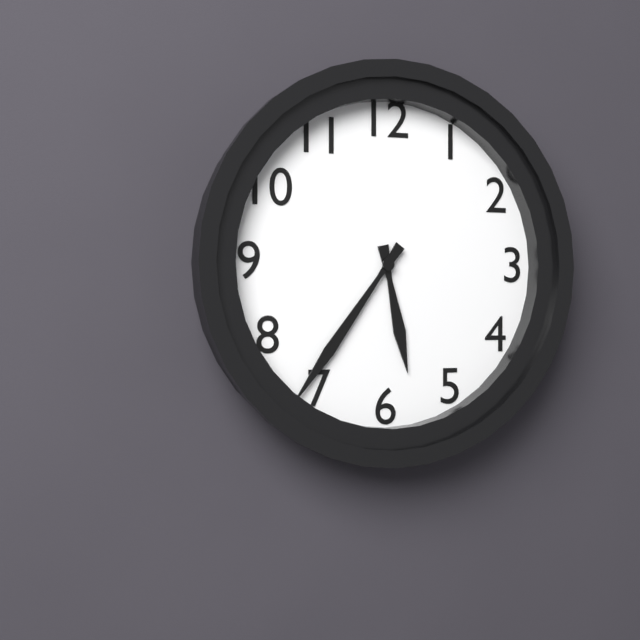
5 h 36 min
